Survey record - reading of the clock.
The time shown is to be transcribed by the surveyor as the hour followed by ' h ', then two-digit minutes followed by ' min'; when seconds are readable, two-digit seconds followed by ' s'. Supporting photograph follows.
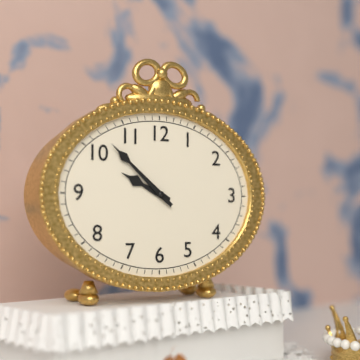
9 h 52 min
